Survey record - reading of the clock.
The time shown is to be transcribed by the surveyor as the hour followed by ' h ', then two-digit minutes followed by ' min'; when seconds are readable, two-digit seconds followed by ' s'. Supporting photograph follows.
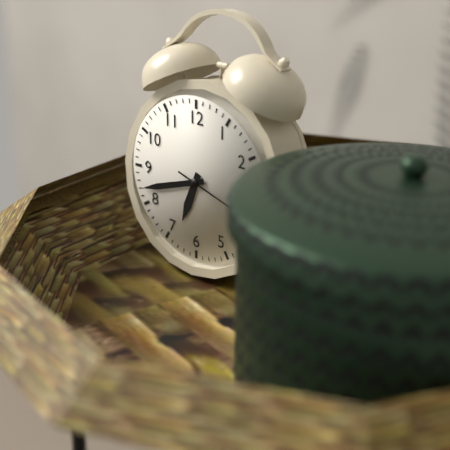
6 h 42 min
